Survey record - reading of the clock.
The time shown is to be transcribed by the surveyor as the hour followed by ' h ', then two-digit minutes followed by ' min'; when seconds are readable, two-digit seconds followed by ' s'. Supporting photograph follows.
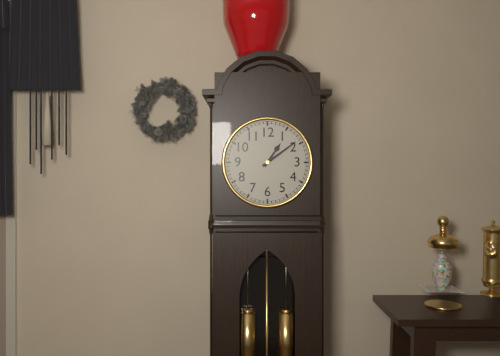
1 h 09 min
